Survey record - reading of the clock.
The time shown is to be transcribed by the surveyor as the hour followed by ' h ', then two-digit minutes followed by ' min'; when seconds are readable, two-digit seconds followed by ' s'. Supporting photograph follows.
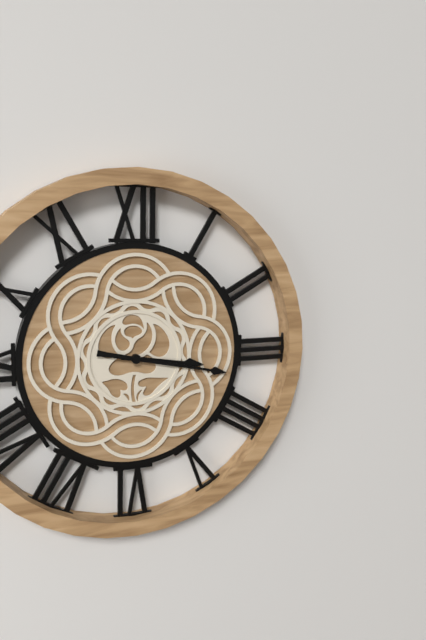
3 h 17 min
